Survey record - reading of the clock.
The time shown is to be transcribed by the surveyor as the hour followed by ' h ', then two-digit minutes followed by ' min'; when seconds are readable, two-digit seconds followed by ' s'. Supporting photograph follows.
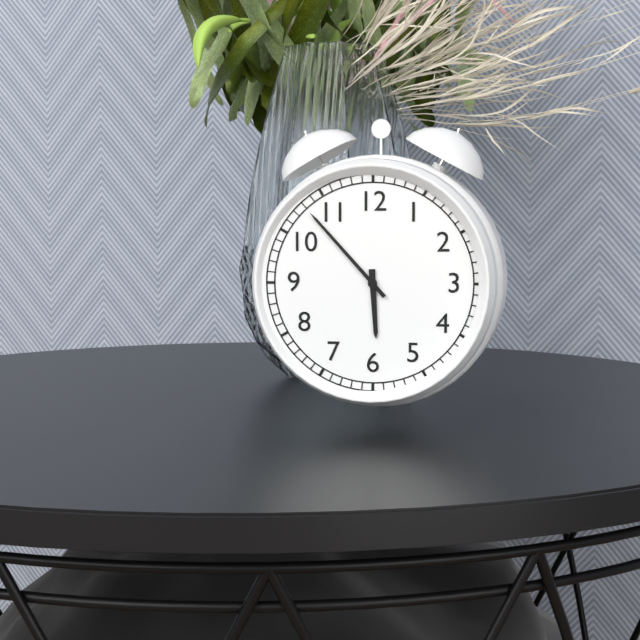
5 h 53 min
